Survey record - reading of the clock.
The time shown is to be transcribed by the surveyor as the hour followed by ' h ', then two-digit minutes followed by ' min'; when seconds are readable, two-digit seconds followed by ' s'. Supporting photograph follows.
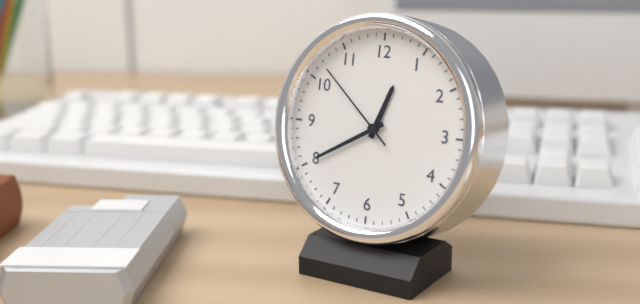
12 h 40 min 52 s
